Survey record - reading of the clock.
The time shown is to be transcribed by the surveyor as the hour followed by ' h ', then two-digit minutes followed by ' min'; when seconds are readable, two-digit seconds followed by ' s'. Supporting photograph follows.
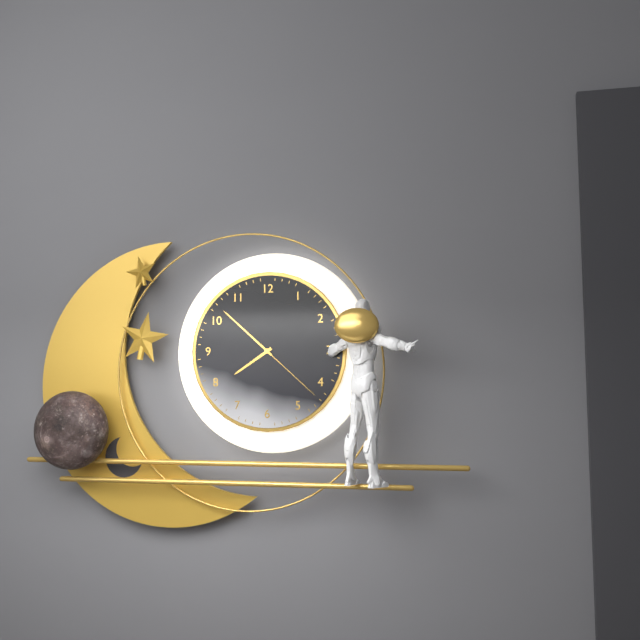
7 h 52 min 22 s
